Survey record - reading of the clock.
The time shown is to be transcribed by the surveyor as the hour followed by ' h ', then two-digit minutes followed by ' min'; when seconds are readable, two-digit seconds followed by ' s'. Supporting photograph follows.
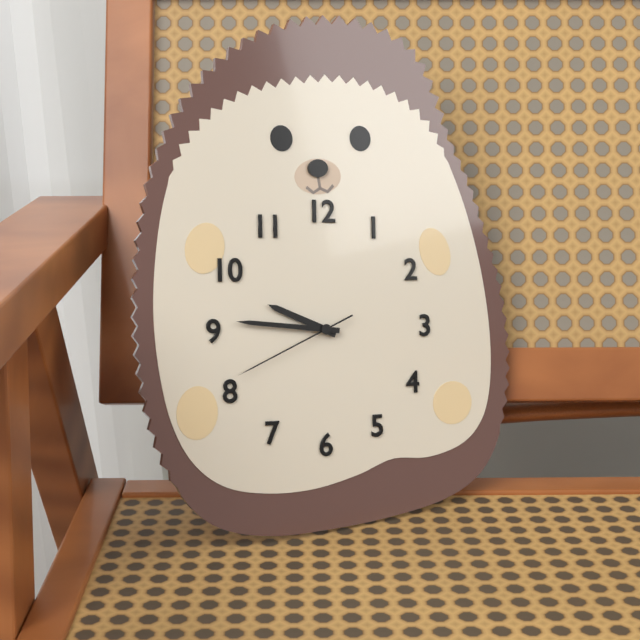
9 h 46 min 41 s
